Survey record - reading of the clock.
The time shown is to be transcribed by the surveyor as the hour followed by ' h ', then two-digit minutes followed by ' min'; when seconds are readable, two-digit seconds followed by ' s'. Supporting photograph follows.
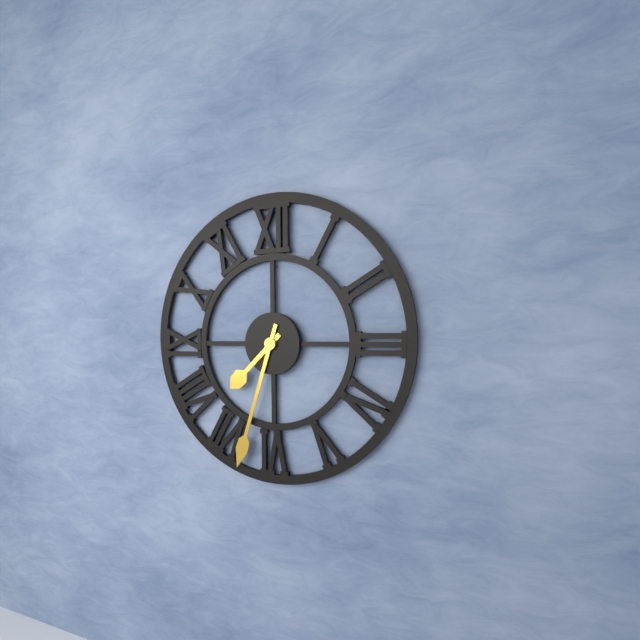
7 h 33 min
